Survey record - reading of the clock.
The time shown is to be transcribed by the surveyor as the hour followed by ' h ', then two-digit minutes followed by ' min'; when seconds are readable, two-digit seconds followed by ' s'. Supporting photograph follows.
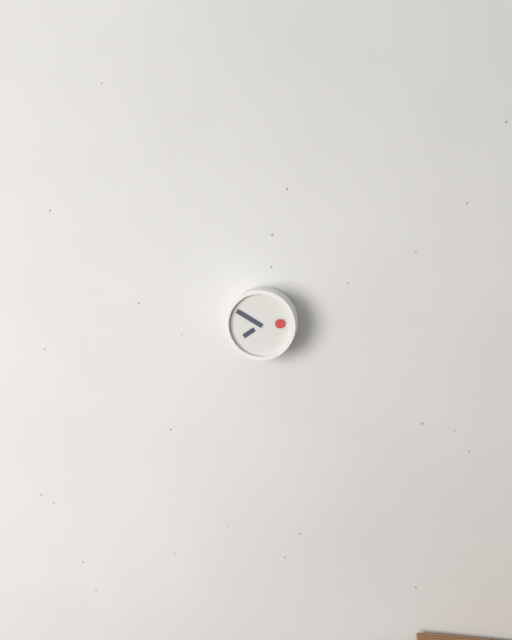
7 h 50 min
